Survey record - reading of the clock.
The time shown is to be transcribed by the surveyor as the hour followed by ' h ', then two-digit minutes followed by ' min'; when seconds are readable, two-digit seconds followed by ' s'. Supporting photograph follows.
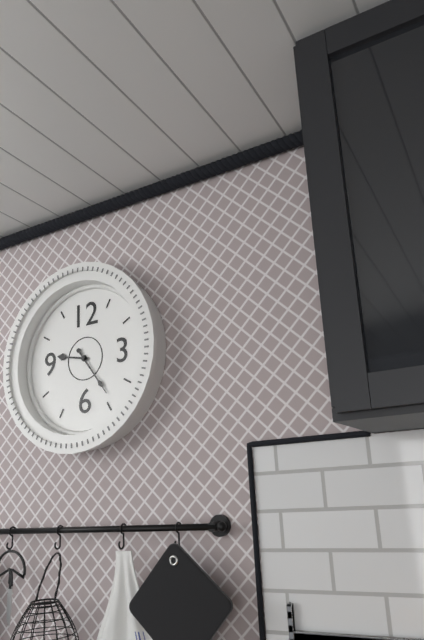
9 h 24 min
